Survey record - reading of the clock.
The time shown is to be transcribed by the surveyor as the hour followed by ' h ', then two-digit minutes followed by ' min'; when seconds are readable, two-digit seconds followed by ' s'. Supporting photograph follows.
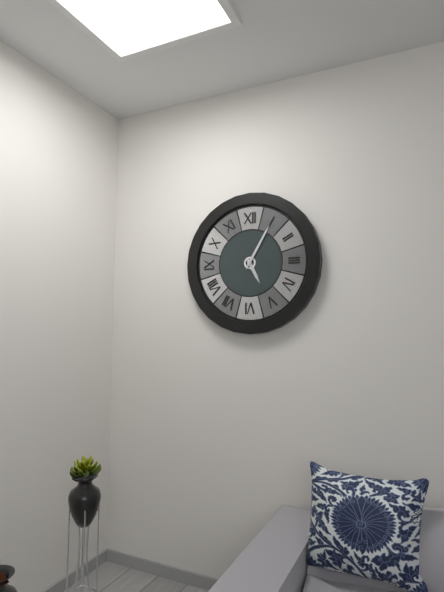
5 h 05 min
